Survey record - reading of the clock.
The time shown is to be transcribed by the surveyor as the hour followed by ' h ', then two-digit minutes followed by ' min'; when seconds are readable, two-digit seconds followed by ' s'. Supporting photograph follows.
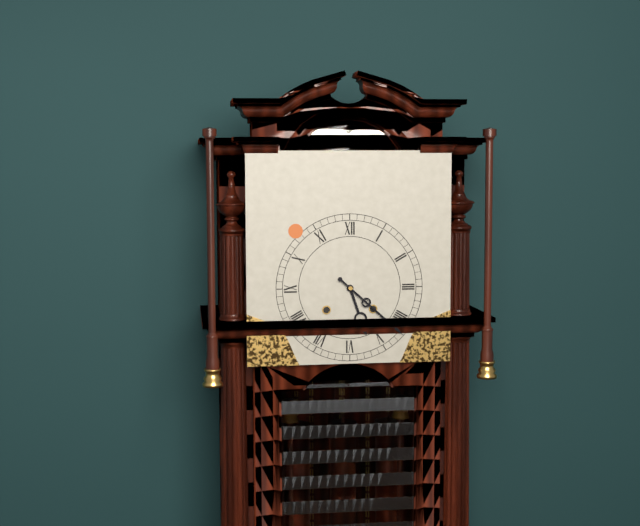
5 h 22 min
